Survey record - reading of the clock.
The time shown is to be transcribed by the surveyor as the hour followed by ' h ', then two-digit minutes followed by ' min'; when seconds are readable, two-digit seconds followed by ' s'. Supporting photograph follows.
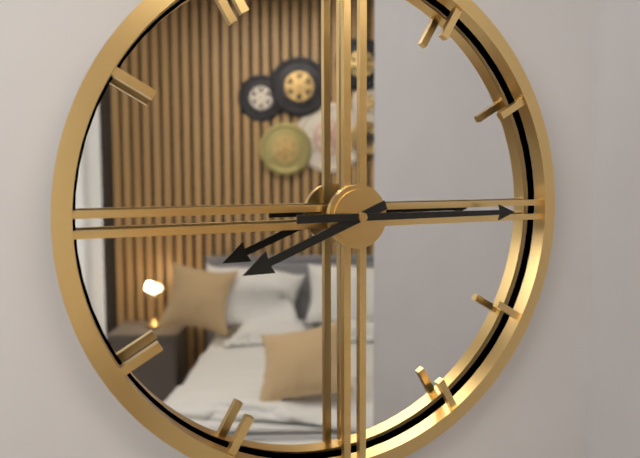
8 h 15 min
